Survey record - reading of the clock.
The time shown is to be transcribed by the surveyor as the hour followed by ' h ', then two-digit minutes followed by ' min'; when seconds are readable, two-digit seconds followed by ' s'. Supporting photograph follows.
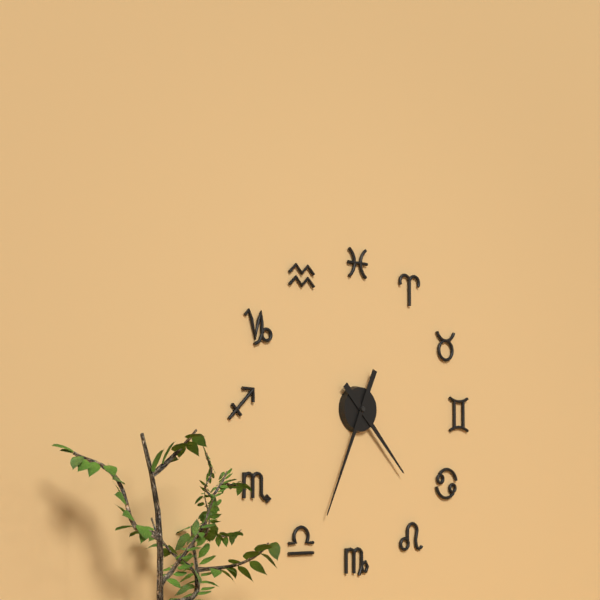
4 h 34 min
